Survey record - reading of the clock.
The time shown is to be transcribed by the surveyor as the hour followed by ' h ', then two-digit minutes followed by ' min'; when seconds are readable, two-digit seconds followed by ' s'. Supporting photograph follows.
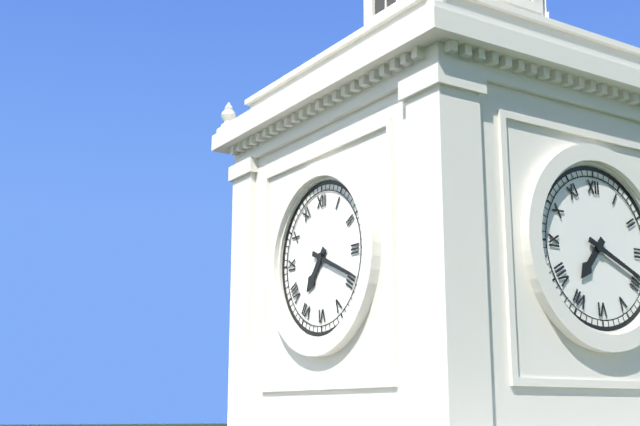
7 h 19 min
